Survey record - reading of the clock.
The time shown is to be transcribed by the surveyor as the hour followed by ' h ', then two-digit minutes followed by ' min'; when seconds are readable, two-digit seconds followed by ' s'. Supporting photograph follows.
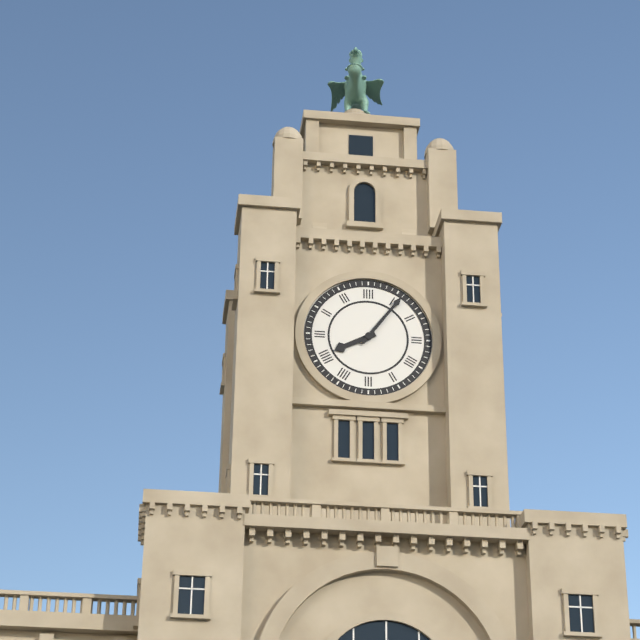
8 h 06 min
